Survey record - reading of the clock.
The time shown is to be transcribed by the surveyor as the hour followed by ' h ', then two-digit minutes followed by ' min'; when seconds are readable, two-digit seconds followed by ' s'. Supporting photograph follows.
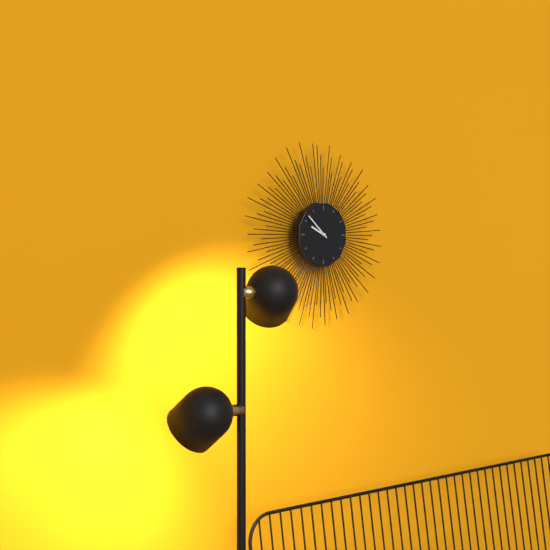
9 h 52 min
